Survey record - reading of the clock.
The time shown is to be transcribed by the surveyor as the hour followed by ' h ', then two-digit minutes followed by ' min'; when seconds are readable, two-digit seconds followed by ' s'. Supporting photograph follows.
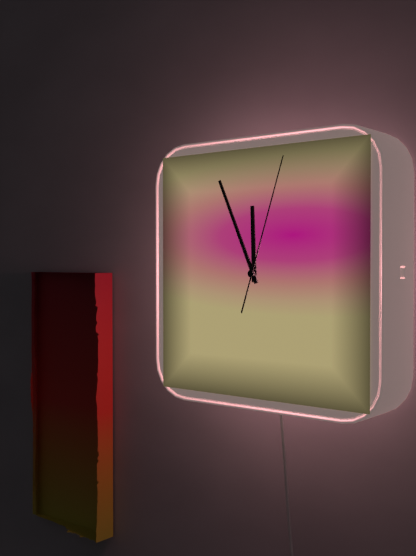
11 h 56 min 03 s
